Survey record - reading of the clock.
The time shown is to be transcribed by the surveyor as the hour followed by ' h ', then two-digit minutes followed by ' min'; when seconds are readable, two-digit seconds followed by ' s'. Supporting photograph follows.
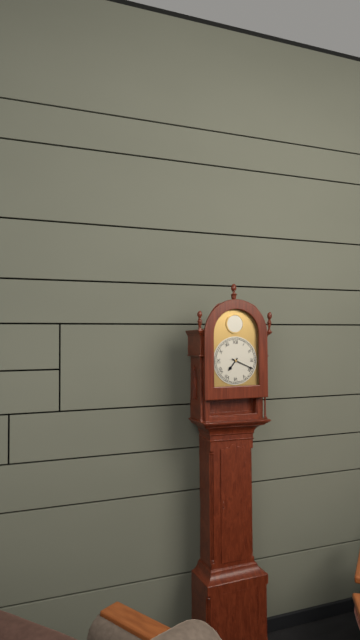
7 h 19 min
